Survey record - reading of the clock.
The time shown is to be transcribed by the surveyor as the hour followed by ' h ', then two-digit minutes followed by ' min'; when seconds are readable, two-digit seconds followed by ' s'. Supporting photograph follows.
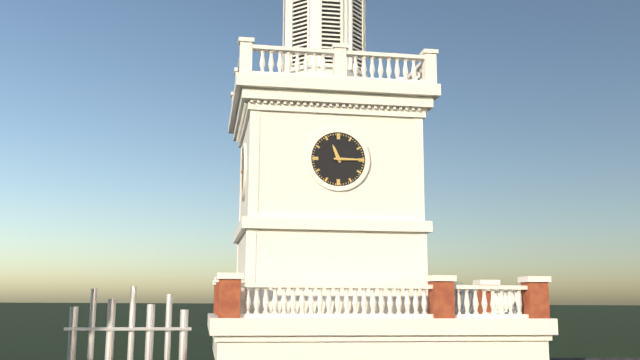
11 h 15 min
